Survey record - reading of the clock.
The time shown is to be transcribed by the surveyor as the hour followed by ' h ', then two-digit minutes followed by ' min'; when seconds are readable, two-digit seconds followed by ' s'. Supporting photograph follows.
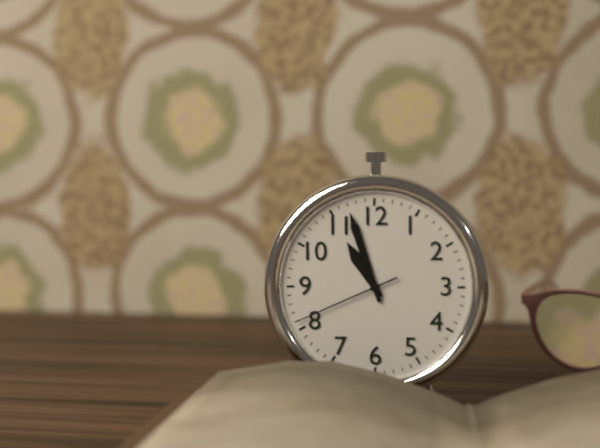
10 h 57 min 41 s
